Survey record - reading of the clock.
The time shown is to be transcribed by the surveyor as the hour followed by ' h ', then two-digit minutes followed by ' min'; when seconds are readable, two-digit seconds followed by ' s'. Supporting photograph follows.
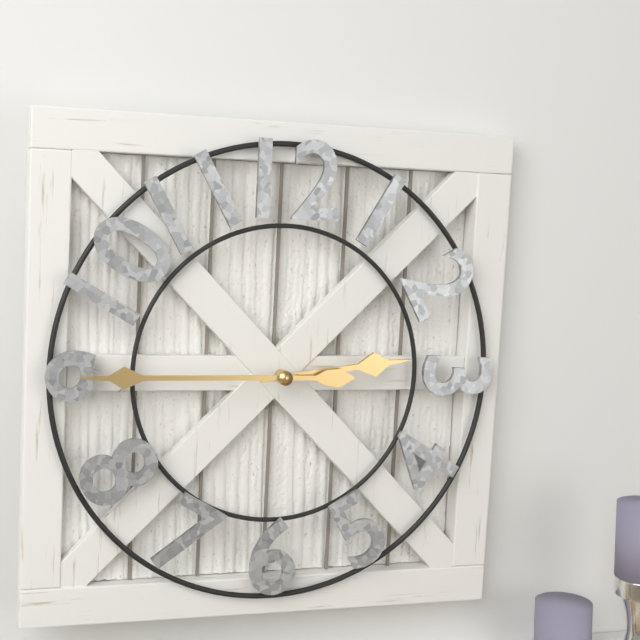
2 h 45 min
